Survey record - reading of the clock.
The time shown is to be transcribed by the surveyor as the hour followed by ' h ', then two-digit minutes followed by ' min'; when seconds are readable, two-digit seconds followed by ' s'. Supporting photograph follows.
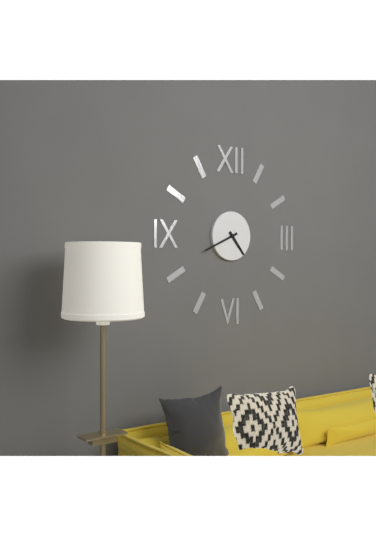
4 h 41 min
